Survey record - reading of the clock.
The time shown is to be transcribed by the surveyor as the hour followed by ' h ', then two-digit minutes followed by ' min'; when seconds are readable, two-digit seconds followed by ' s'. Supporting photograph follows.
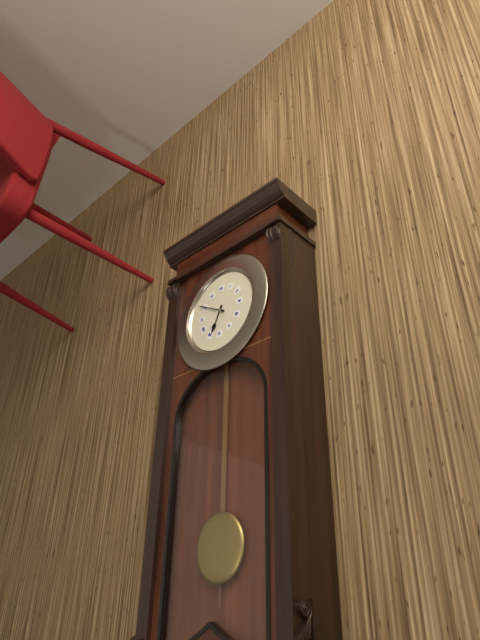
6 h 50 min
